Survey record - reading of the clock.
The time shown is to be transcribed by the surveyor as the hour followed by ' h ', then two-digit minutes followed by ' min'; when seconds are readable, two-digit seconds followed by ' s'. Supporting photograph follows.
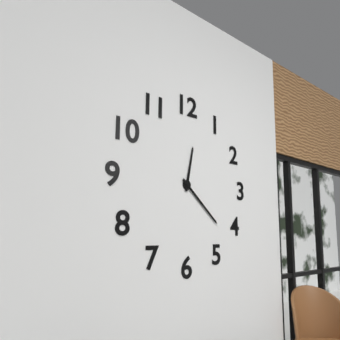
12 h 22 min
